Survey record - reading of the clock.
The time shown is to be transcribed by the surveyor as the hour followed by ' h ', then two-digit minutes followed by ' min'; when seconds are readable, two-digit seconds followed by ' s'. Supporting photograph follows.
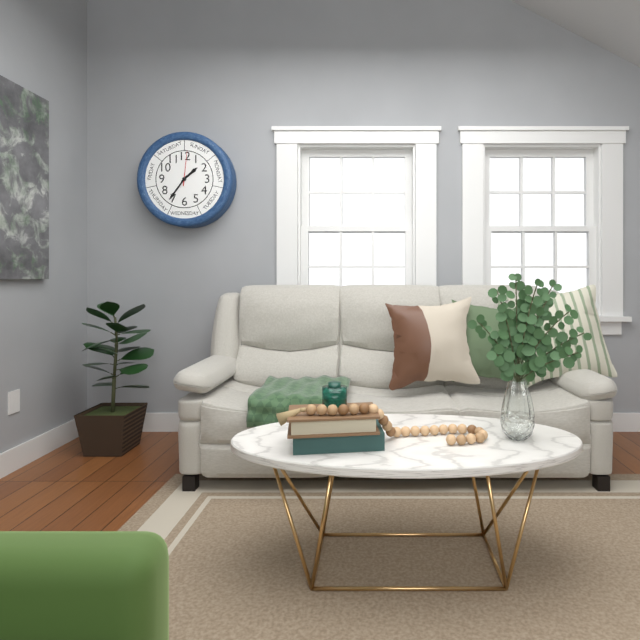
1 h 36 min
